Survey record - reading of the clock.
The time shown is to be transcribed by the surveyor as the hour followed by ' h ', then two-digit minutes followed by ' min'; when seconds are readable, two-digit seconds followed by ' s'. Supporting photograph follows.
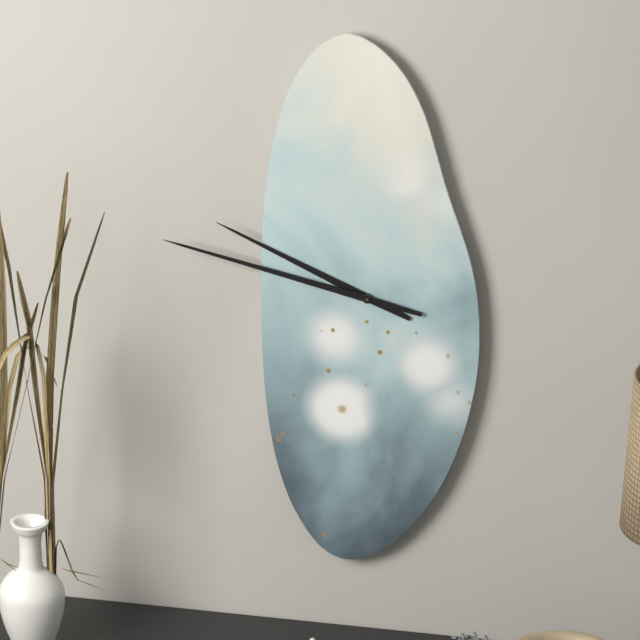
9 h 47 min
